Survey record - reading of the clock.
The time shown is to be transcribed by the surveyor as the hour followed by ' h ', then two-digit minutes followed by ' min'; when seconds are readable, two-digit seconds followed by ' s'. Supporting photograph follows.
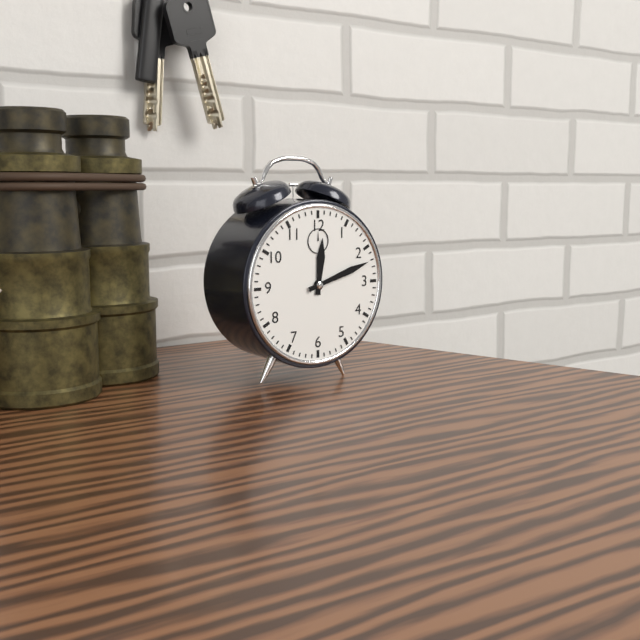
12 h 12 min
